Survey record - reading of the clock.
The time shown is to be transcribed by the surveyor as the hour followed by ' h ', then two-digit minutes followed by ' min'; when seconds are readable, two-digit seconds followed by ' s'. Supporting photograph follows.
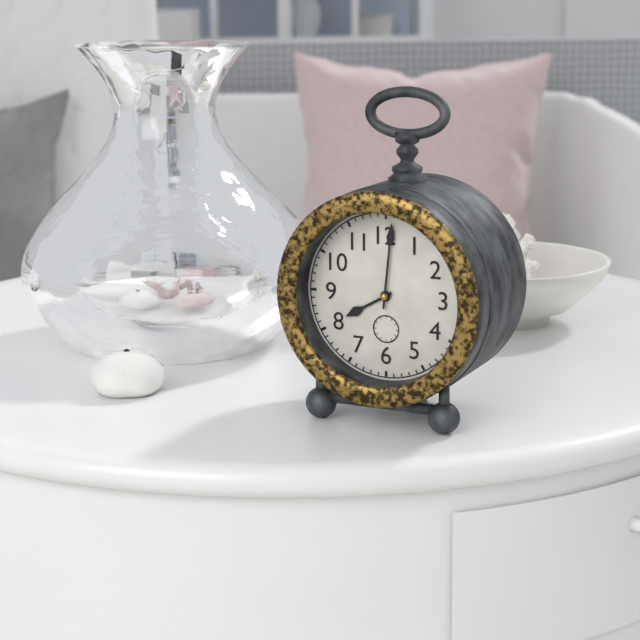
8 h 01 min
